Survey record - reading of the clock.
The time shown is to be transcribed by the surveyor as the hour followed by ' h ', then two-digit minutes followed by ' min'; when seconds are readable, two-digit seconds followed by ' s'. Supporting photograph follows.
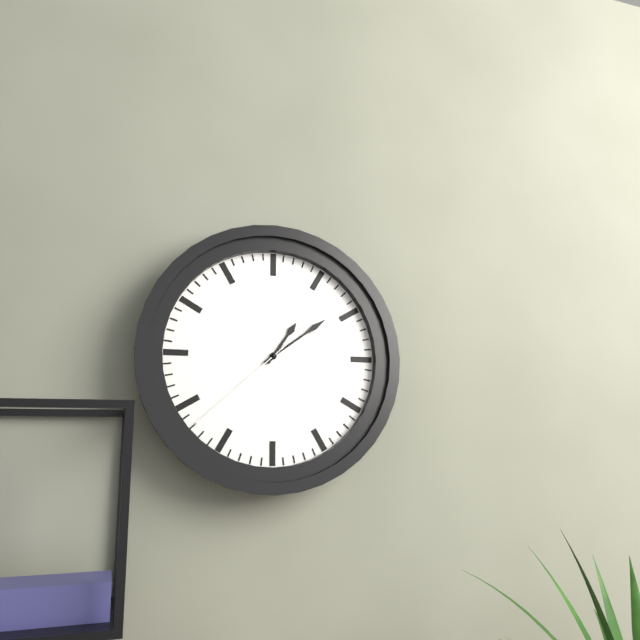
1 h 09 min 38 s
